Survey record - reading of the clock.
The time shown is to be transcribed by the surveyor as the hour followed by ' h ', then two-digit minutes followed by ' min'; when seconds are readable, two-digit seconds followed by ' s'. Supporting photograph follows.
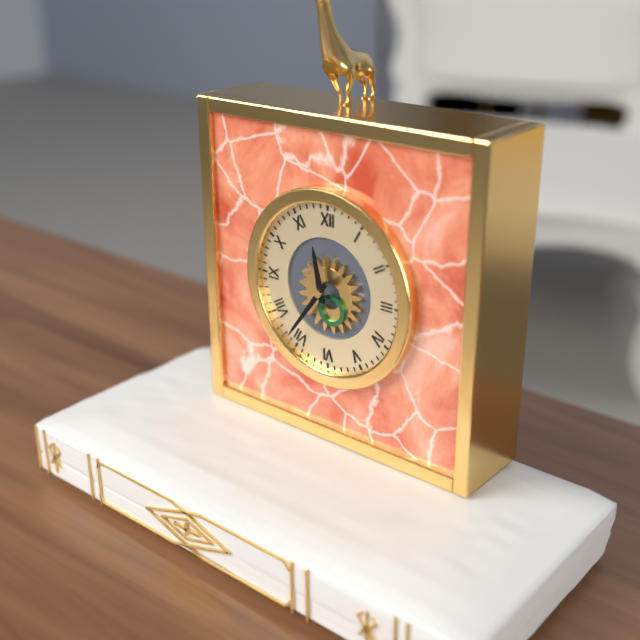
11 h 36 min
